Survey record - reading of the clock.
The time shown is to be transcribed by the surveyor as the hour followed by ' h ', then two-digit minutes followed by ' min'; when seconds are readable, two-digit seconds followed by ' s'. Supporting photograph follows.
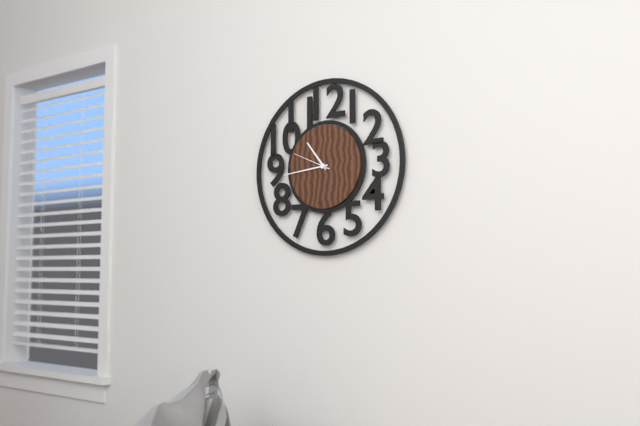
10 h 44 min
